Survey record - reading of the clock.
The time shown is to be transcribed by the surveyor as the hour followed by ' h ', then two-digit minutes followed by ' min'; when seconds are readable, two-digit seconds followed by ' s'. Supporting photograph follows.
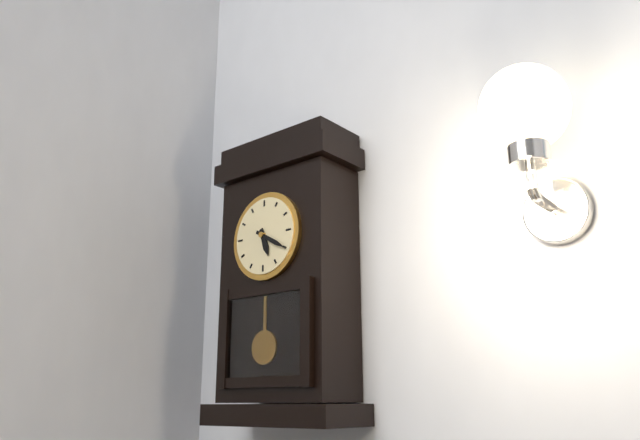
5 h 20 min
